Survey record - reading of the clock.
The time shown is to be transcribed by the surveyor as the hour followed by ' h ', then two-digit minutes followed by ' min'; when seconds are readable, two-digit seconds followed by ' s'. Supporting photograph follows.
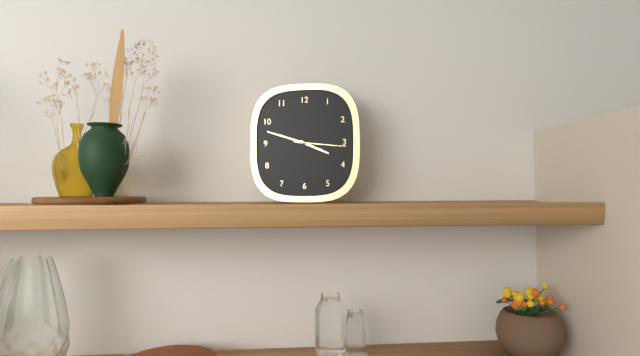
3 h 48 min 16 s
